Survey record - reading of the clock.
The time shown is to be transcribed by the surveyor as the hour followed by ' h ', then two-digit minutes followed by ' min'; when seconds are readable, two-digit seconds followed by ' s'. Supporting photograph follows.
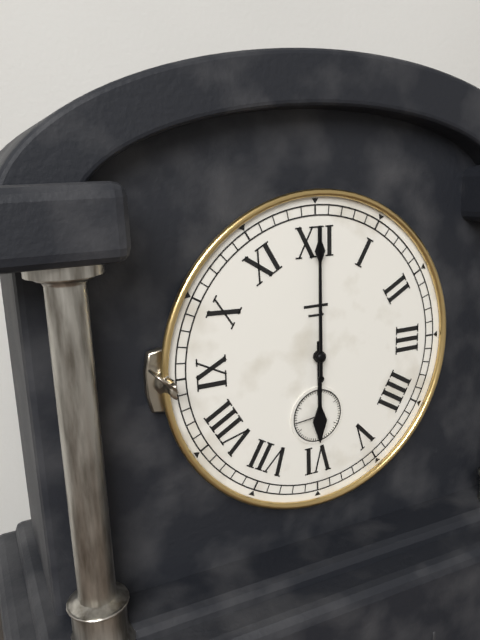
6 h 00 min
